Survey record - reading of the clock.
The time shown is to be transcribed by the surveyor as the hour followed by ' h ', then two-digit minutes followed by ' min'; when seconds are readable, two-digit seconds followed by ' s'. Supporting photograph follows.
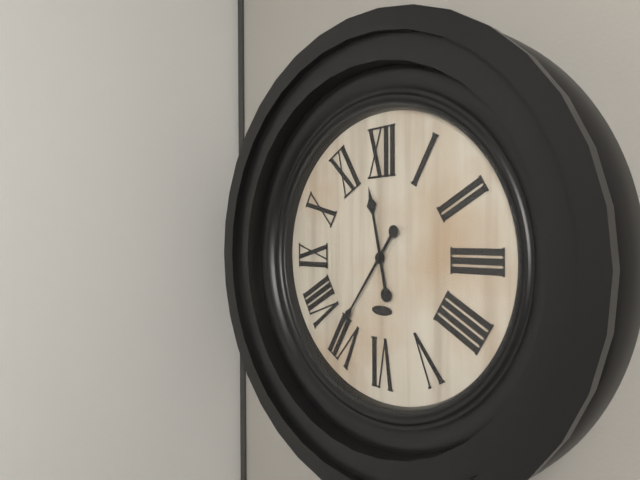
11 h 36 min
